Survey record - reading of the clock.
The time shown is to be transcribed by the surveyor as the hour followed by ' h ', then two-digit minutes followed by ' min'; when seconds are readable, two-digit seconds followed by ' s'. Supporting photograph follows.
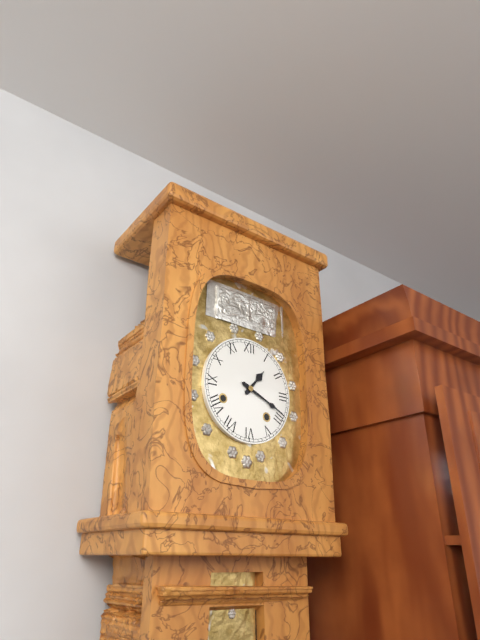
1 h 19 min
